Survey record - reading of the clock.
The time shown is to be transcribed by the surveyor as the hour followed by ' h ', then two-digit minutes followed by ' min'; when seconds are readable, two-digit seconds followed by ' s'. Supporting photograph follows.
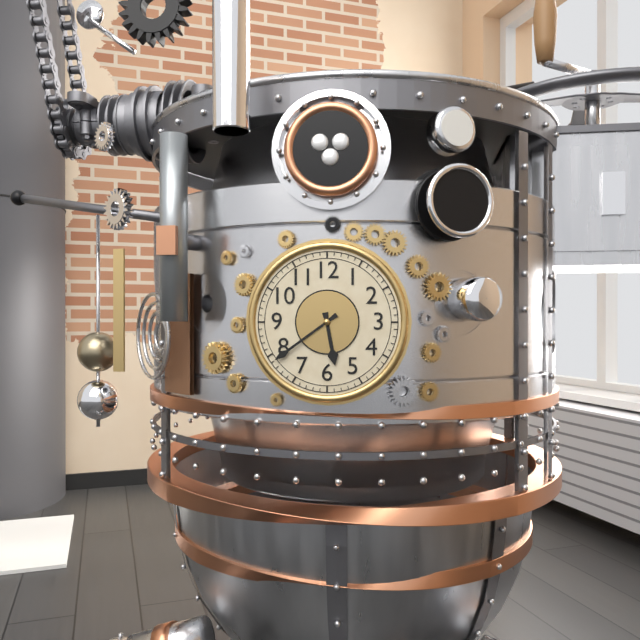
5 h 39 min
